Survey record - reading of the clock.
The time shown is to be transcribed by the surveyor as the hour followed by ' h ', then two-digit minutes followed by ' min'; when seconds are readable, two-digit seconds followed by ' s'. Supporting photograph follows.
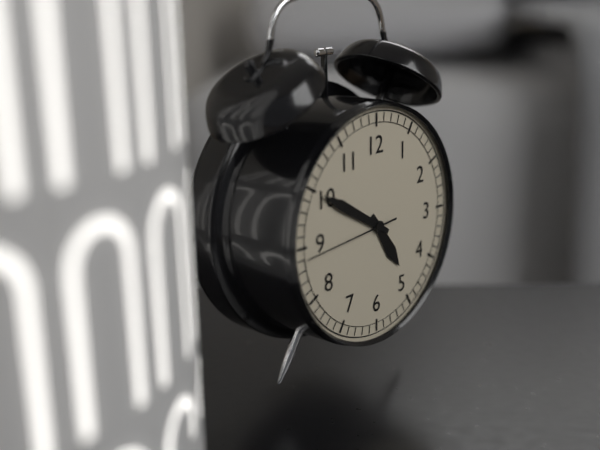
4 h 50 min 44 s
